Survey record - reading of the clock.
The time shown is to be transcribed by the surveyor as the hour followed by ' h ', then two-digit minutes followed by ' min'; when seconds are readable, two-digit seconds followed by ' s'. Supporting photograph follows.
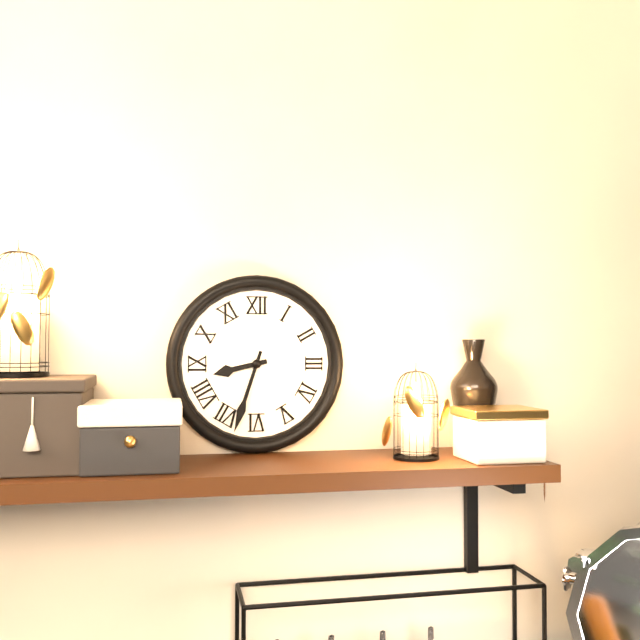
8 h 33 min
